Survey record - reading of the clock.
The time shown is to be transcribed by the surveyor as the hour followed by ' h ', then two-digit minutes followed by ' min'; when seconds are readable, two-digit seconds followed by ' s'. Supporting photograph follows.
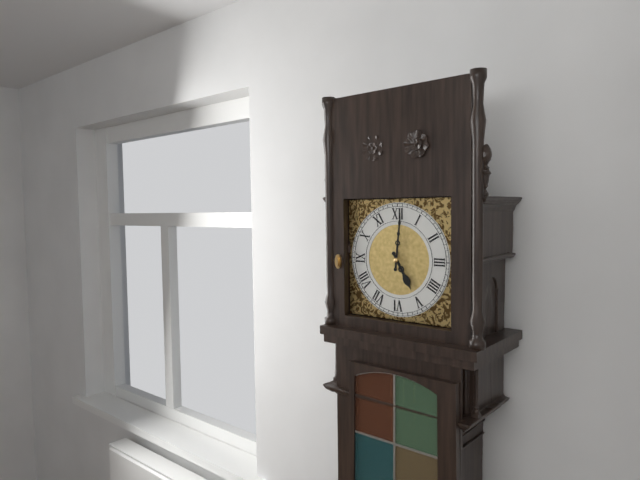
5 h 01 min
